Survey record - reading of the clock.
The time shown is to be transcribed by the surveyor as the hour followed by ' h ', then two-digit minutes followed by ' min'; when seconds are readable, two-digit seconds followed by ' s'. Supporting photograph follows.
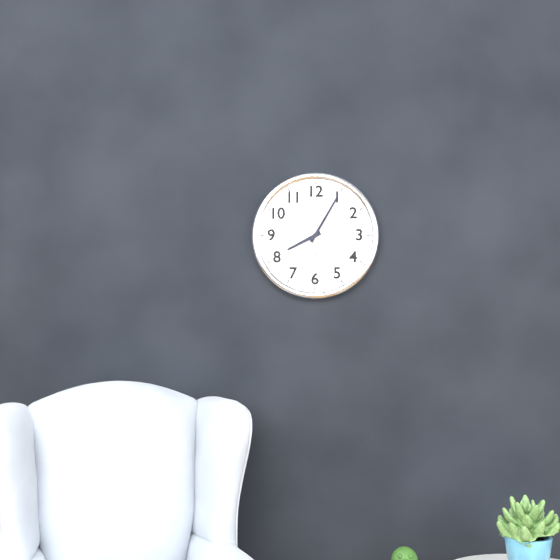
8 h 05 min
